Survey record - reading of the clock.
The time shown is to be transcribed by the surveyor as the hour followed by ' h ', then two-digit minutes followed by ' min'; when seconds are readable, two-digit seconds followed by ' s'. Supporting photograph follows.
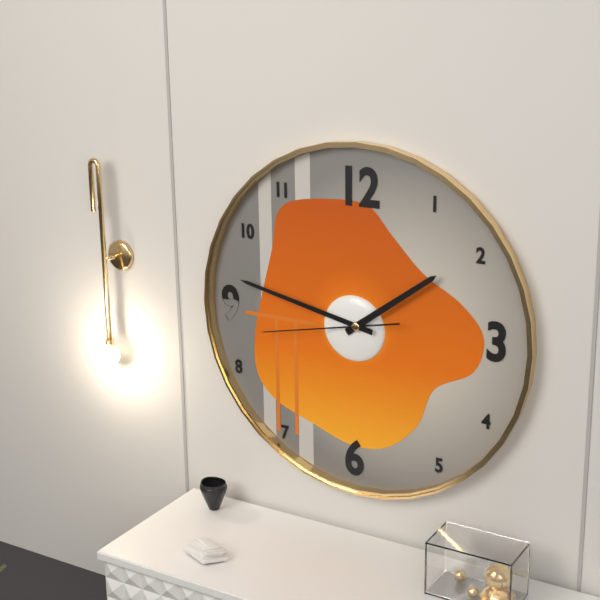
1 h 47 min 43 s
